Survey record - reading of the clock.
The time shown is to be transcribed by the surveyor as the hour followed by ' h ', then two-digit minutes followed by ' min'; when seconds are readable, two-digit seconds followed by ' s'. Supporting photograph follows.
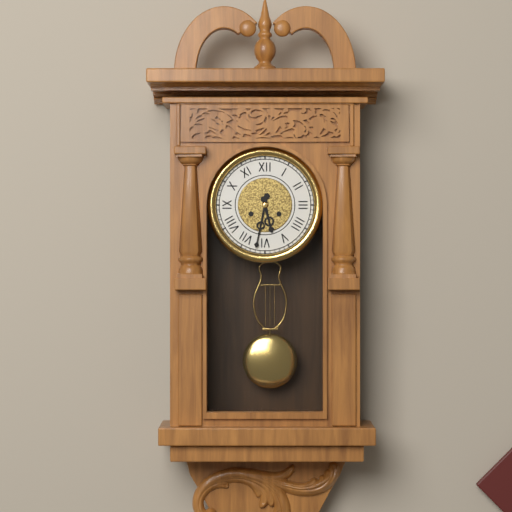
5 h 32 min
